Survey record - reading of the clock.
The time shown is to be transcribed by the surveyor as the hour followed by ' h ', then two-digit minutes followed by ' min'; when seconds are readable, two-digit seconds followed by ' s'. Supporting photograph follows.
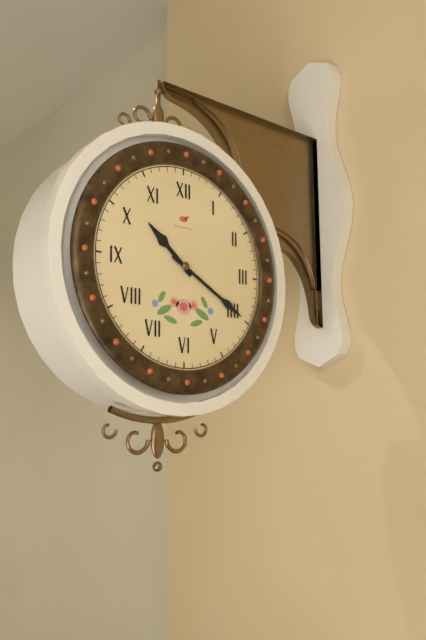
10 h 20 min
